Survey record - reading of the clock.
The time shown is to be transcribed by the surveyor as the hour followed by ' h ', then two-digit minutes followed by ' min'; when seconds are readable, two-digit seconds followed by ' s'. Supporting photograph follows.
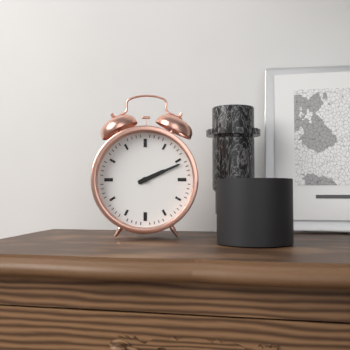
2 h 11 min
